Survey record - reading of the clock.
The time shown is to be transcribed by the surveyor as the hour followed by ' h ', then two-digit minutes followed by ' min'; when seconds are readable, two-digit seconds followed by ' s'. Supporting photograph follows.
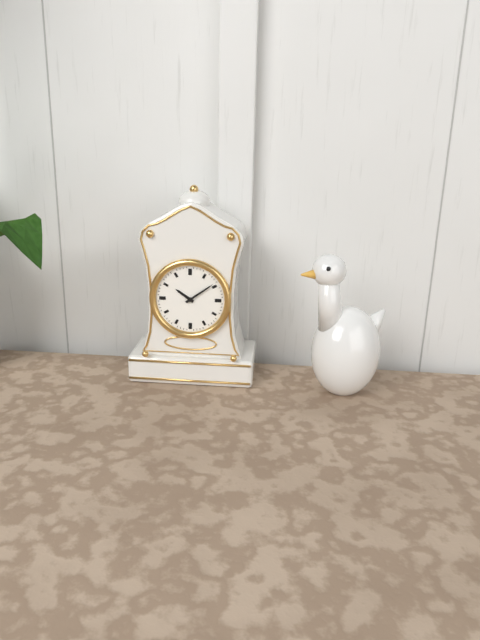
10 h 09 min
